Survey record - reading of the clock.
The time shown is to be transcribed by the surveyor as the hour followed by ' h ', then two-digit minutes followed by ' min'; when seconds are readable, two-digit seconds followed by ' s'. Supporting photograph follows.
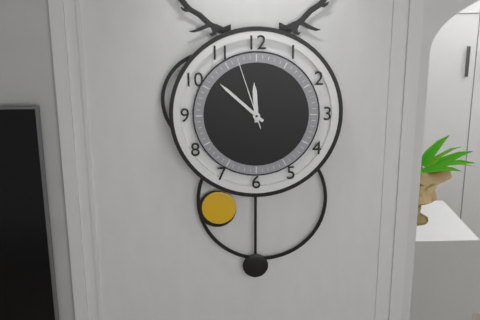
11 h 52 min 57 s
